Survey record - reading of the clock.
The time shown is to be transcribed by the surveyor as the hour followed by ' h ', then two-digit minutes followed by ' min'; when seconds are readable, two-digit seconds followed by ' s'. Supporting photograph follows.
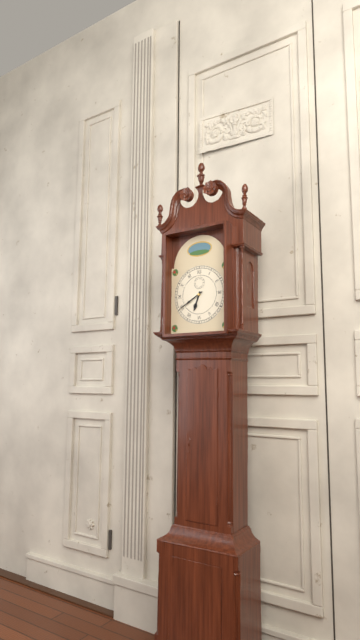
6 h 40 min
